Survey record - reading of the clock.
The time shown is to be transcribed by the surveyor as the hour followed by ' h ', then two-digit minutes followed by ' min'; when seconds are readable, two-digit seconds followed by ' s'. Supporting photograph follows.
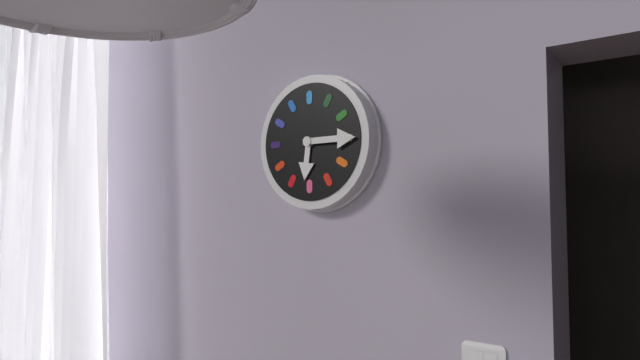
6 h 15 min
